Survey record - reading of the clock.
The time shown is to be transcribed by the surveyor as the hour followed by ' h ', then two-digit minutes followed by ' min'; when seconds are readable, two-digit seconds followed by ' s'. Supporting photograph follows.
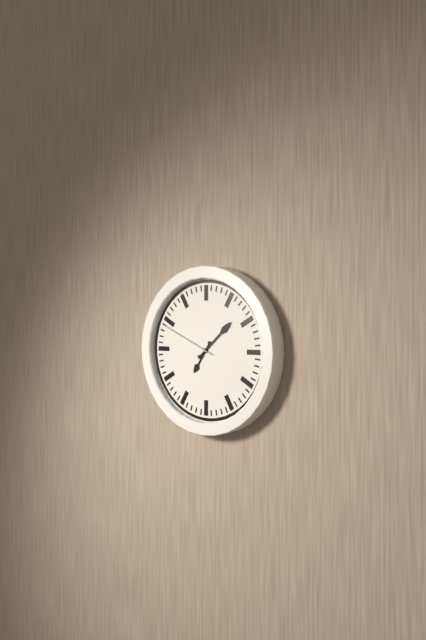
7 h 08 min 49 s
